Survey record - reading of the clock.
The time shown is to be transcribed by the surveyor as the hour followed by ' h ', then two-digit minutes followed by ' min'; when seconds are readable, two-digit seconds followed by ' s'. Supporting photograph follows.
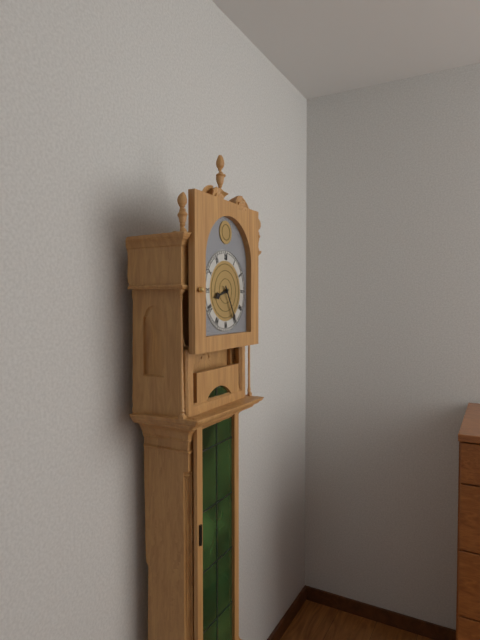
8 h 25 min
